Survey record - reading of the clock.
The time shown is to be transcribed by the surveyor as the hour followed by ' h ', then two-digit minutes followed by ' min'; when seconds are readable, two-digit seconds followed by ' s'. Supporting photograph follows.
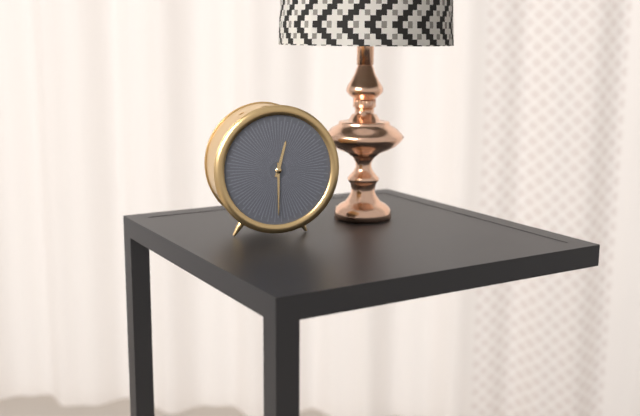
12 h 30 min
